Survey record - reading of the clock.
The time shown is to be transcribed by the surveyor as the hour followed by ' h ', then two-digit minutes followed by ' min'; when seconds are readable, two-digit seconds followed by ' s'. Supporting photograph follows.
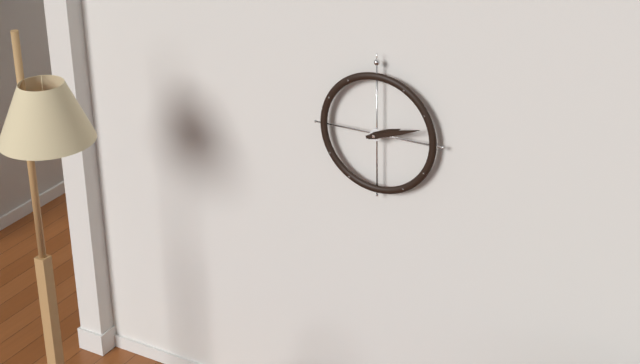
2 h 12 min
